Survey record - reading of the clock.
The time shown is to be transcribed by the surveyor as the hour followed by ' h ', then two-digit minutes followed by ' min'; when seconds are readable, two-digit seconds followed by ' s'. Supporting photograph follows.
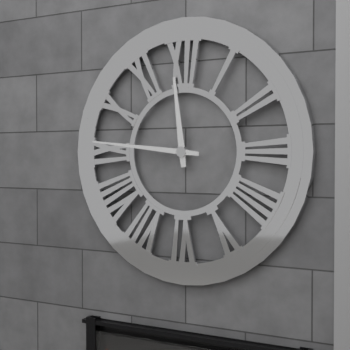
11 h 46 min
